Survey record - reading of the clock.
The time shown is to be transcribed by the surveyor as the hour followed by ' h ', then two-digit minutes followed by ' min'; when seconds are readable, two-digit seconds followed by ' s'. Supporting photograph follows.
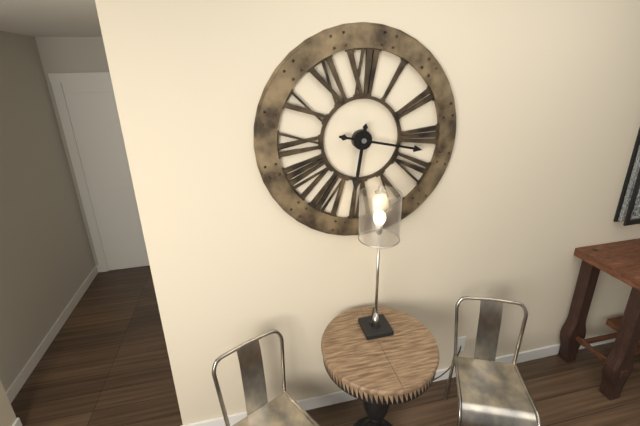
6 h 17 min
